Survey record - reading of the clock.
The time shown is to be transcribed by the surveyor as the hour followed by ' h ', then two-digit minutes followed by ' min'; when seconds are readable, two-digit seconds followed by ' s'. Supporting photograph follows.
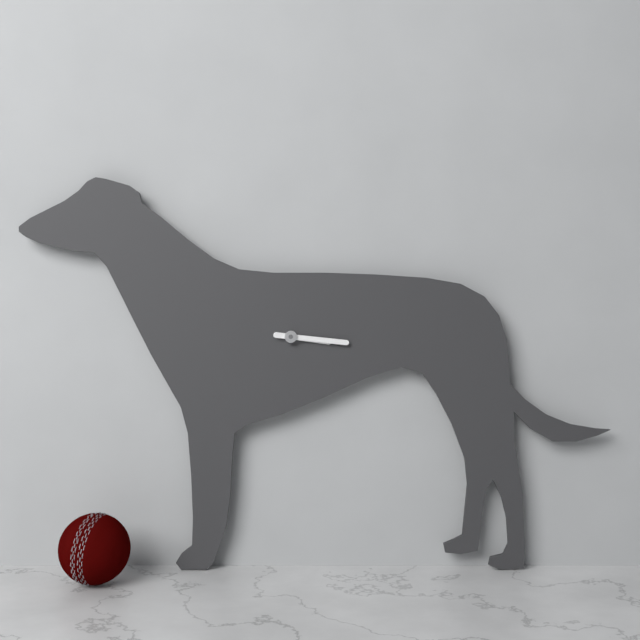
3 h 16 min
